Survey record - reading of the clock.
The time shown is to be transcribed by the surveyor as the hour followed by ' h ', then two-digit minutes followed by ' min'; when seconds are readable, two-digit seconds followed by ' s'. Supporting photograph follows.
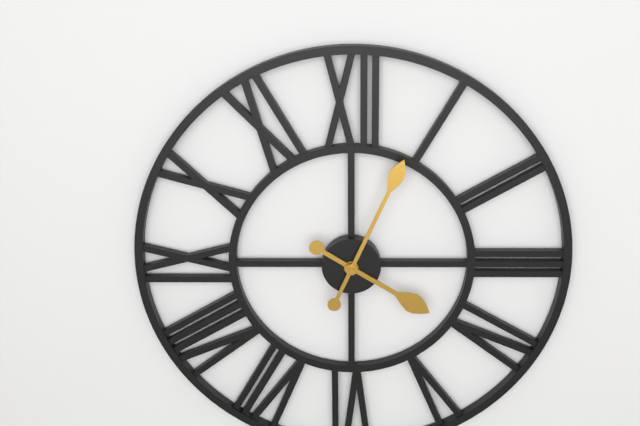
4 h 04 min
